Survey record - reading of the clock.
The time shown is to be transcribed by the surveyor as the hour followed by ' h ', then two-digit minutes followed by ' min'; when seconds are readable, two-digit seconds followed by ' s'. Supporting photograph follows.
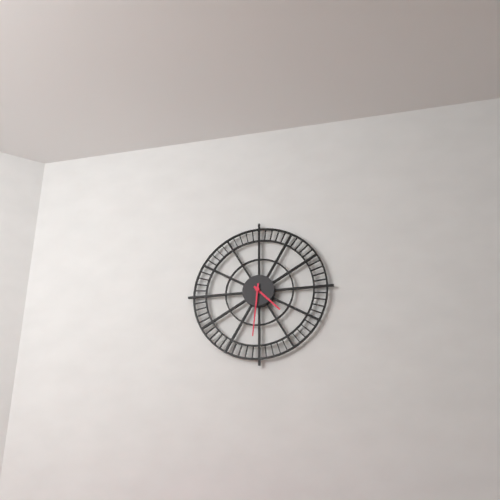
4 h 31 min
